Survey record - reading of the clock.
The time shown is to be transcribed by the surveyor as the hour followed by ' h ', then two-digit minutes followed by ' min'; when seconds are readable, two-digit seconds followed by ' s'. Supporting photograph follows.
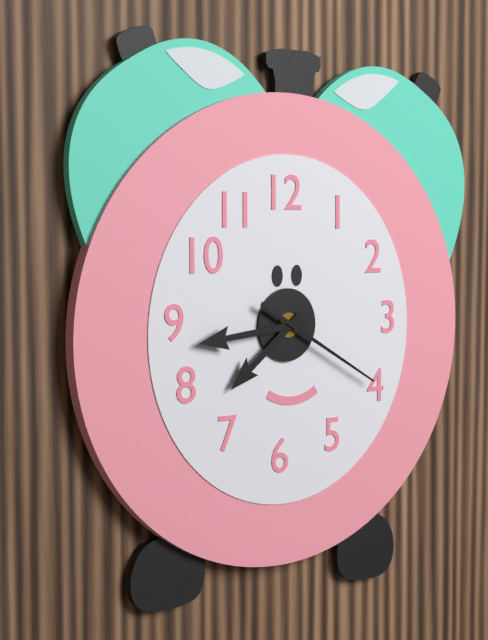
7 h 44 min 20 s
